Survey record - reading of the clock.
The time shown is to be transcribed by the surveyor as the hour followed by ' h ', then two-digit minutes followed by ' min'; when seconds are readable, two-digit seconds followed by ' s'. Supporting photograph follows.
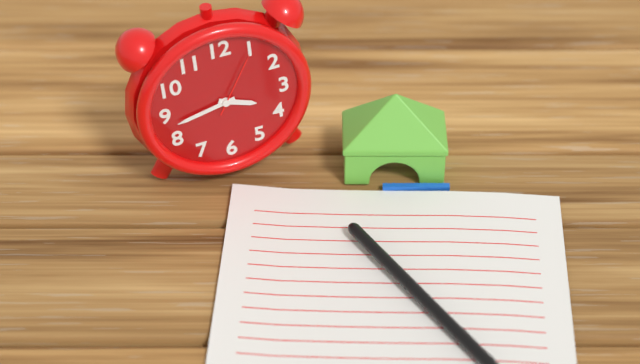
3 h 43 min 05 s
